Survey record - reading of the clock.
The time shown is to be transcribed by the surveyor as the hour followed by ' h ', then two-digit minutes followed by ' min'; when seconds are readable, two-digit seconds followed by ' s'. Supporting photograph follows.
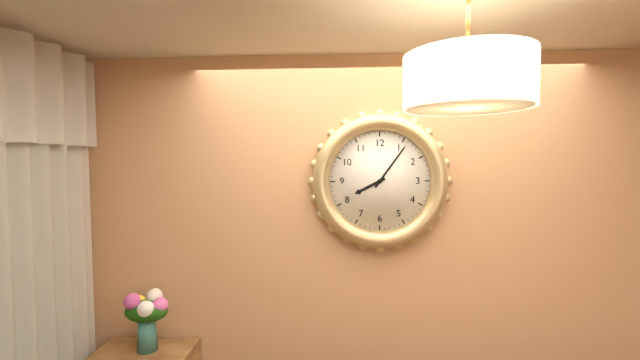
8 h 06 min
